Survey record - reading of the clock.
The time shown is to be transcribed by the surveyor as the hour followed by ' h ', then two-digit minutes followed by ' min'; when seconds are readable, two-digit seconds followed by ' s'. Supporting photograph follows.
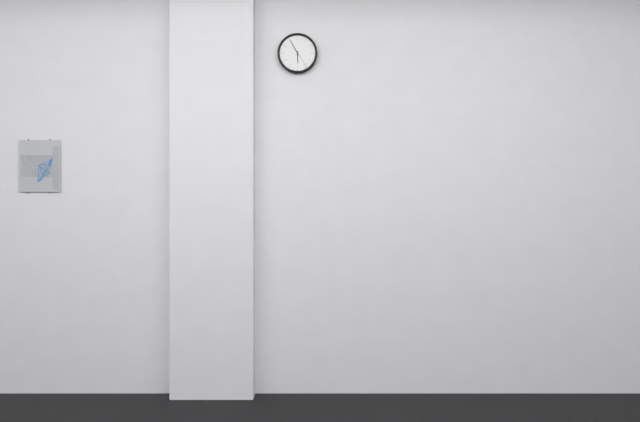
5 h 55 min
